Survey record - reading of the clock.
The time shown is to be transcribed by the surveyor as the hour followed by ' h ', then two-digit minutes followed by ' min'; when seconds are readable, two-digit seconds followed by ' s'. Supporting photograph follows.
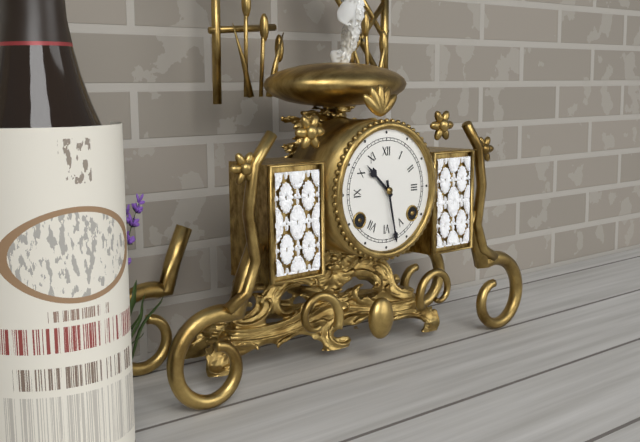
10 h 28 min
